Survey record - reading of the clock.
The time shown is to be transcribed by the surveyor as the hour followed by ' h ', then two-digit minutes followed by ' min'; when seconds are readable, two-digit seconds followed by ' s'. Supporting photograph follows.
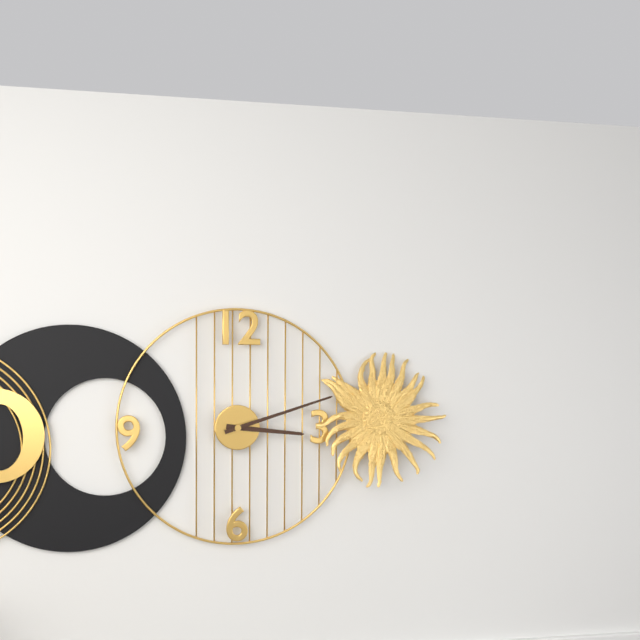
3 h 12 min
